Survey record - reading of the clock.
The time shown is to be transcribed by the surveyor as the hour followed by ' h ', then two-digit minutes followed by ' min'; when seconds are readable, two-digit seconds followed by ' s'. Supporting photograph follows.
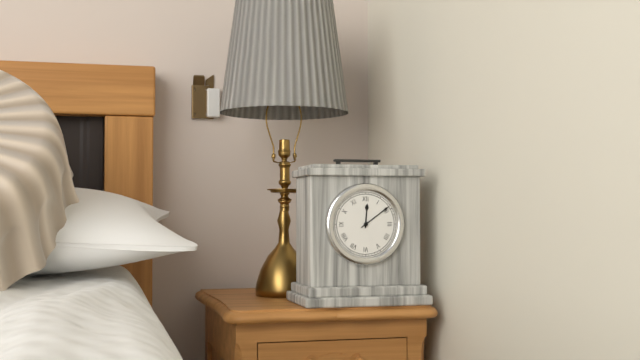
12 h 09 min
